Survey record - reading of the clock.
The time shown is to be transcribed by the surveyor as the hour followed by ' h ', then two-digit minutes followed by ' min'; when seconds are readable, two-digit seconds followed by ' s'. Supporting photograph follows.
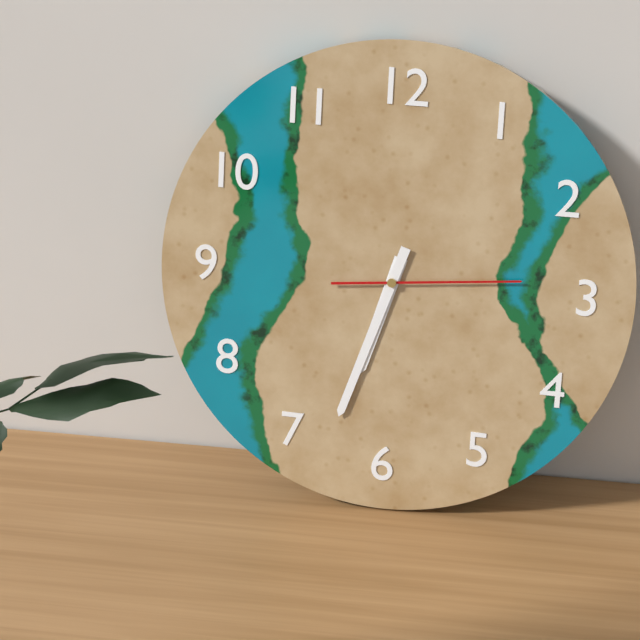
6 h 33 min 14 s
